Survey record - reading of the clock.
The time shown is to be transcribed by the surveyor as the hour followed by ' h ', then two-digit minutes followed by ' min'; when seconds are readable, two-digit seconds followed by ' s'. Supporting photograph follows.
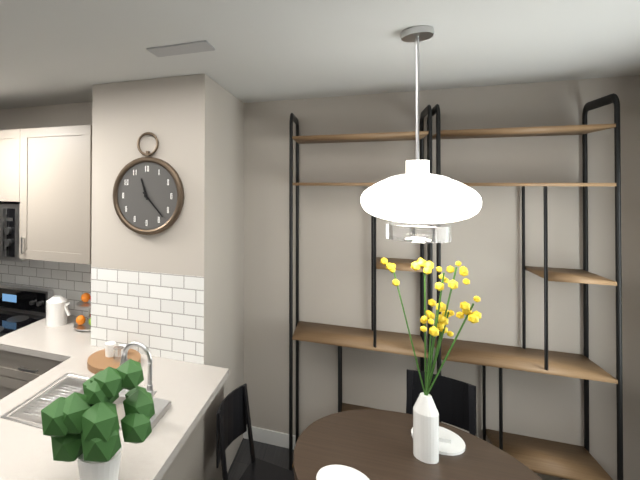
11 h 23 min
